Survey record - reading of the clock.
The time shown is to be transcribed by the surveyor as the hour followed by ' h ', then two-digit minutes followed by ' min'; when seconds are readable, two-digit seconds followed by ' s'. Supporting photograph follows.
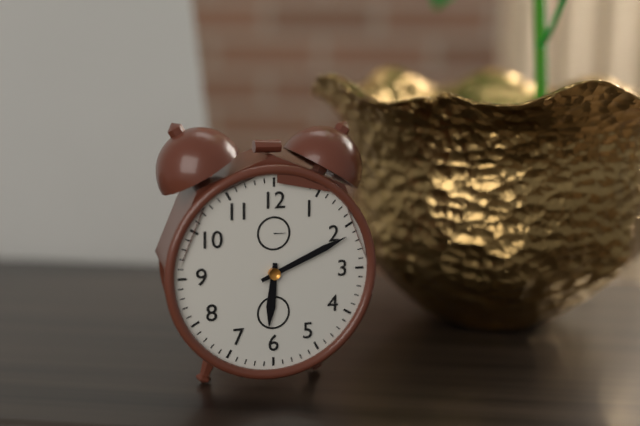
6 h 11 min
